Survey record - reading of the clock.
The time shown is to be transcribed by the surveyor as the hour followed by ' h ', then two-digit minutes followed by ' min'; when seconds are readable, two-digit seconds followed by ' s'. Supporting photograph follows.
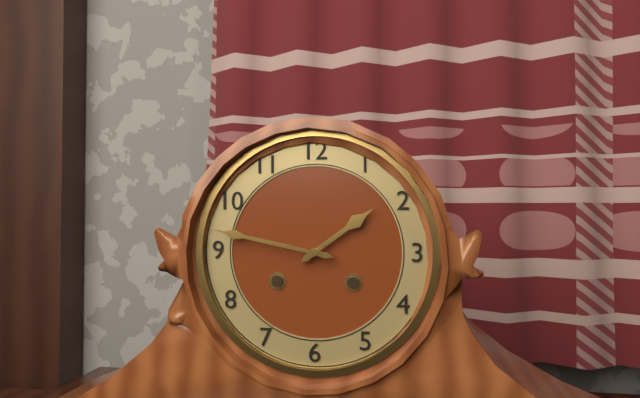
1 h 47 min
